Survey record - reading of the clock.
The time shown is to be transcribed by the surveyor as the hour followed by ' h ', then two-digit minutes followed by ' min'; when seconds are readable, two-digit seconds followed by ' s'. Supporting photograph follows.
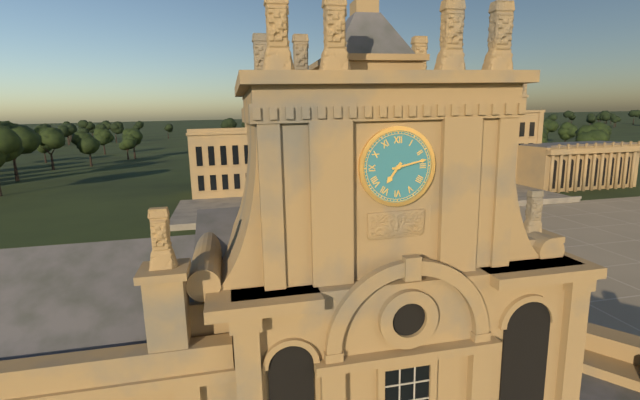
7 h 13 min
